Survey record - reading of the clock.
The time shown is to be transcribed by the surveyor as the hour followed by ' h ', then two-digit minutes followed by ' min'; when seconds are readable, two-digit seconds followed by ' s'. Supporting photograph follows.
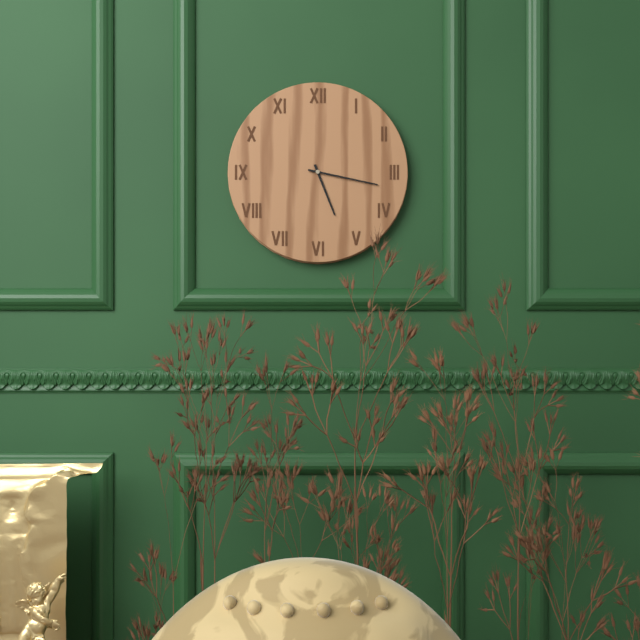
5 h 17 min
